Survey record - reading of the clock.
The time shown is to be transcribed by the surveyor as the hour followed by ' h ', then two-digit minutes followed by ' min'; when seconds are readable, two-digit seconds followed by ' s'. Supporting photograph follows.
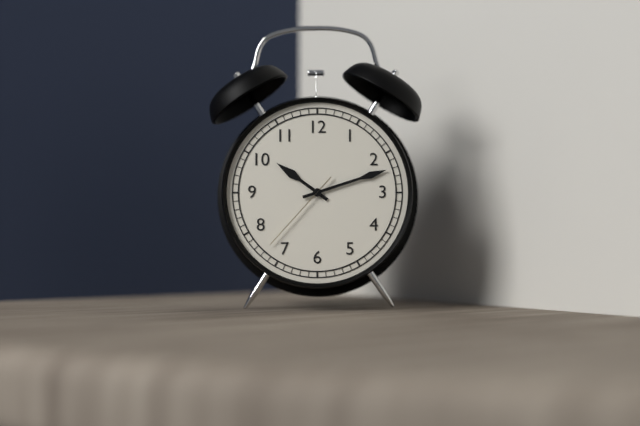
10 h 12 min 37 s
